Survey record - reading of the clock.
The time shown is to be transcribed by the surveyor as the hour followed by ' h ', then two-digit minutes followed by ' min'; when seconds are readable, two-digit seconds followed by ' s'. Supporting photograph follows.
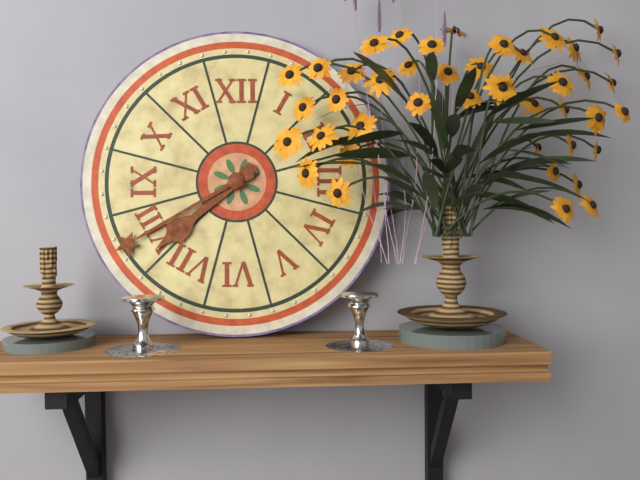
7 h 40 min
